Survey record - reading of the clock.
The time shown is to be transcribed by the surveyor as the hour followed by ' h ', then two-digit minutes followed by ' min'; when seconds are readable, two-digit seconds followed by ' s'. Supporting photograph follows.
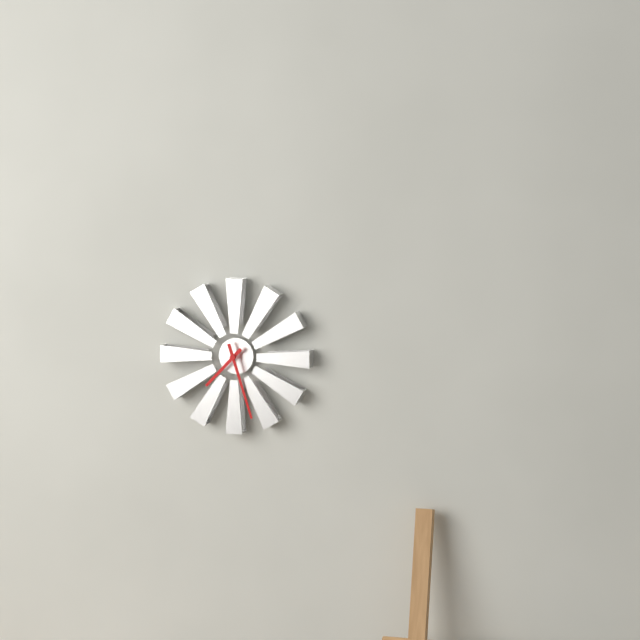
7 h 27 min
